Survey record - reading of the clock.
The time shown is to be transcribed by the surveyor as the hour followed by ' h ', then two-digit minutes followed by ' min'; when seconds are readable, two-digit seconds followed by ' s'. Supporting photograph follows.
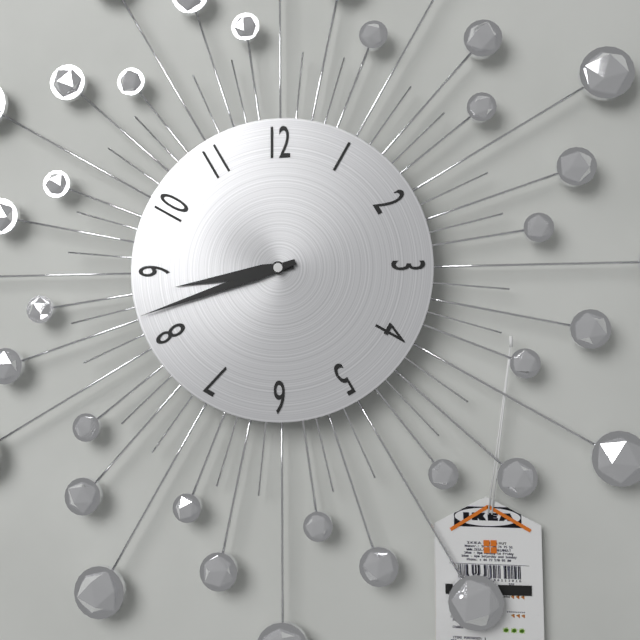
8 h 42 min
